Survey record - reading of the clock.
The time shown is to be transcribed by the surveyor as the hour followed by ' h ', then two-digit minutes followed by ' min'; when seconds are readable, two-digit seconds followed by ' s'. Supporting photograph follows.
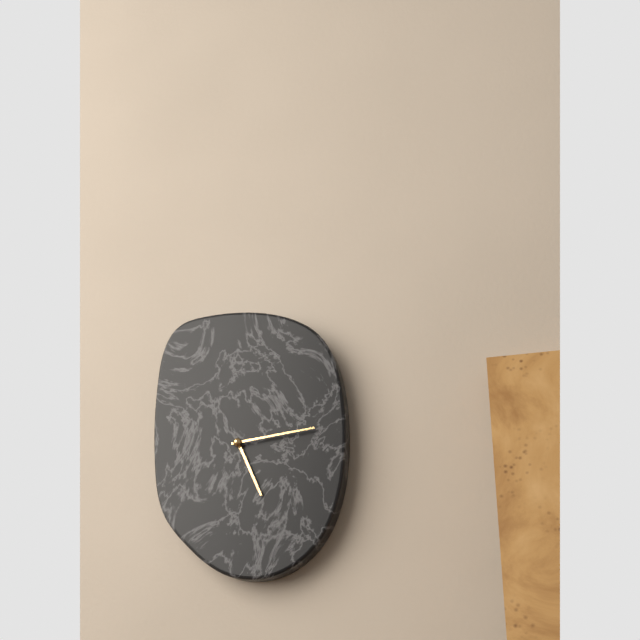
5 h 14 min
